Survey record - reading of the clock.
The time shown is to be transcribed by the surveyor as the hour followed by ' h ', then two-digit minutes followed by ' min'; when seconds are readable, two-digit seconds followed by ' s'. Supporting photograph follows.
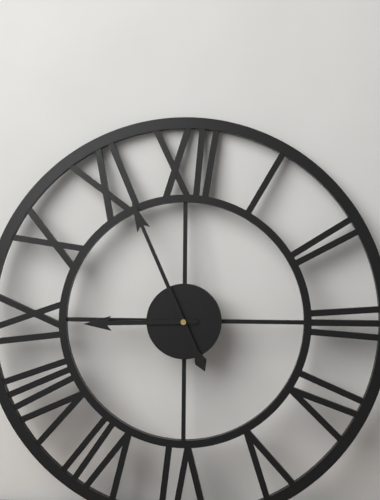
8 h 56 min
